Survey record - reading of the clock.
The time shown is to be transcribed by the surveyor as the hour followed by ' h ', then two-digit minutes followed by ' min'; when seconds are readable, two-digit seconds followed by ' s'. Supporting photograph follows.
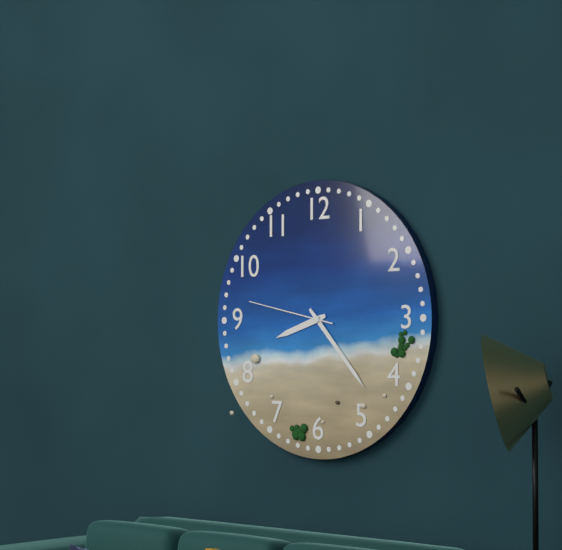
8 h 23 min 47 s
